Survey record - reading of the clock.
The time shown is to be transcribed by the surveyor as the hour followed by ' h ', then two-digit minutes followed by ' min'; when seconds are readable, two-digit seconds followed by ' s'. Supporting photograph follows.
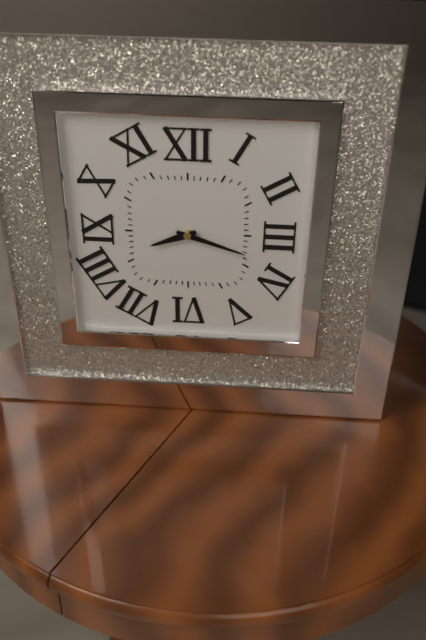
8 h 18 min
